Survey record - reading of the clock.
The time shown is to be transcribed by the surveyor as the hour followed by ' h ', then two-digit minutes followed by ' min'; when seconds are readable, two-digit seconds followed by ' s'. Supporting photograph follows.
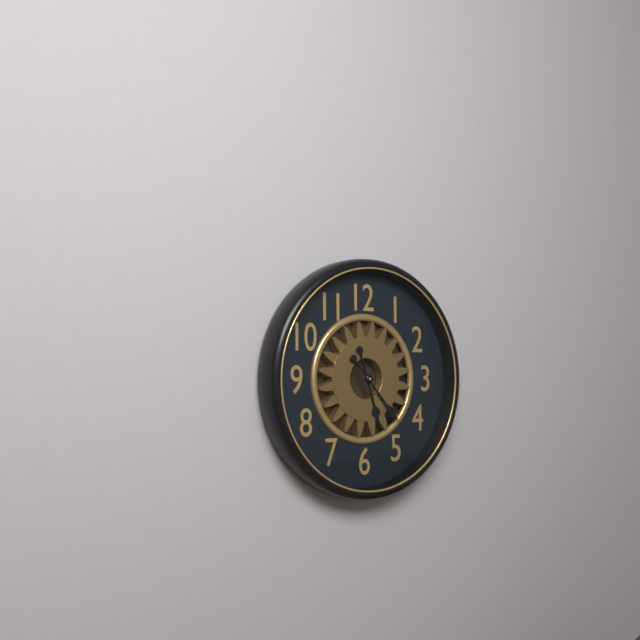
5 h 23 min
